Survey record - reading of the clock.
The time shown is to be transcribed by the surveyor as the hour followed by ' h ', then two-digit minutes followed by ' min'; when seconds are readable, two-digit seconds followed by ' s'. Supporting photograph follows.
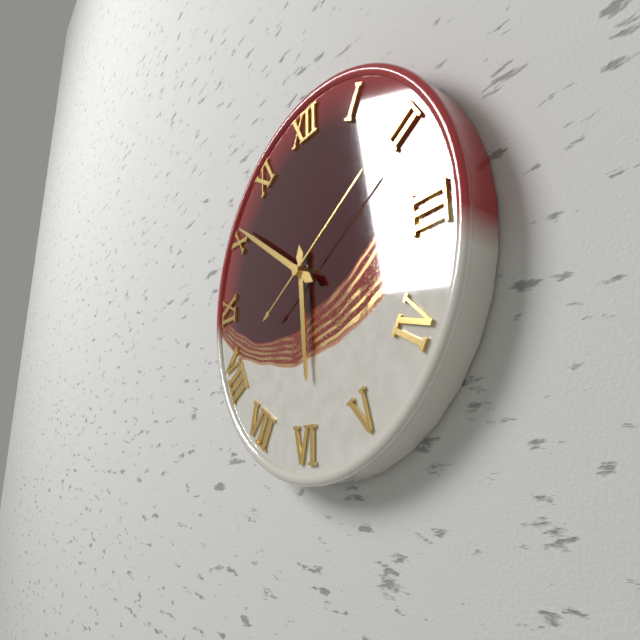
5 h 51 min 10 s
